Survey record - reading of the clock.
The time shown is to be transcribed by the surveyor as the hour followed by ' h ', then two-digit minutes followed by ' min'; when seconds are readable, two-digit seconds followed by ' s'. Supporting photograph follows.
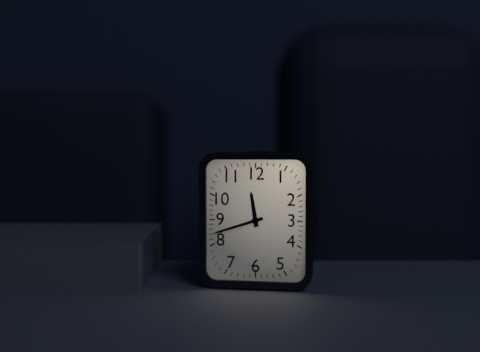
11 h 42 min
